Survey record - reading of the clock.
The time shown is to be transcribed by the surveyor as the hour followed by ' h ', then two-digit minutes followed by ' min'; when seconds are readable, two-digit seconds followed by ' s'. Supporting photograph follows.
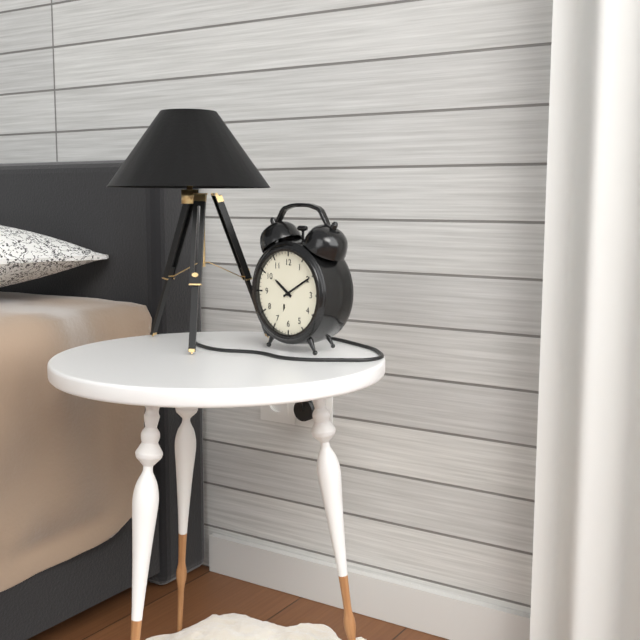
10 h 10 min
